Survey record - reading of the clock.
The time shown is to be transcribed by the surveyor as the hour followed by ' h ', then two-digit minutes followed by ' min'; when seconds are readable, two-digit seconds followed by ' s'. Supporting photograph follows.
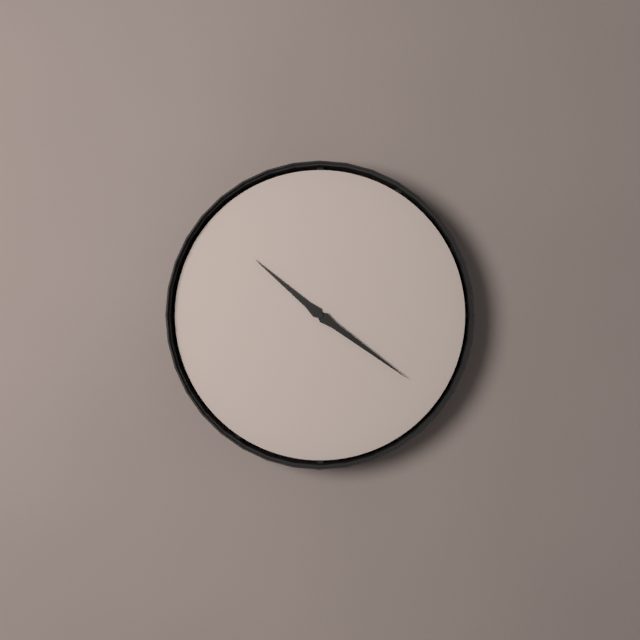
10 h 21 min
